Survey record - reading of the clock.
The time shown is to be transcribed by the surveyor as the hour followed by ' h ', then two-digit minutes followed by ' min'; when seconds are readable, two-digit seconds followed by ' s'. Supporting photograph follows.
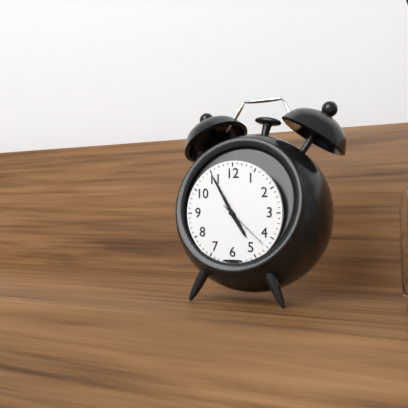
4 h 55 min 22 s
